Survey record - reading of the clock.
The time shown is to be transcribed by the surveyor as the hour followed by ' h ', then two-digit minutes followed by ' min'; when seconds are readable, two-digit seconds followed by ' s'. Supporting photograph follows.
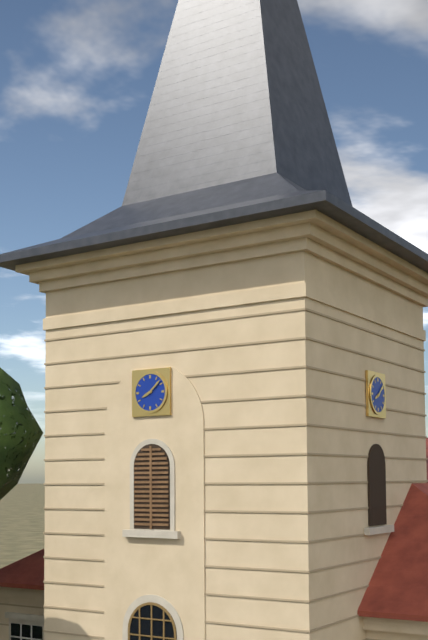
8 h 08 min
